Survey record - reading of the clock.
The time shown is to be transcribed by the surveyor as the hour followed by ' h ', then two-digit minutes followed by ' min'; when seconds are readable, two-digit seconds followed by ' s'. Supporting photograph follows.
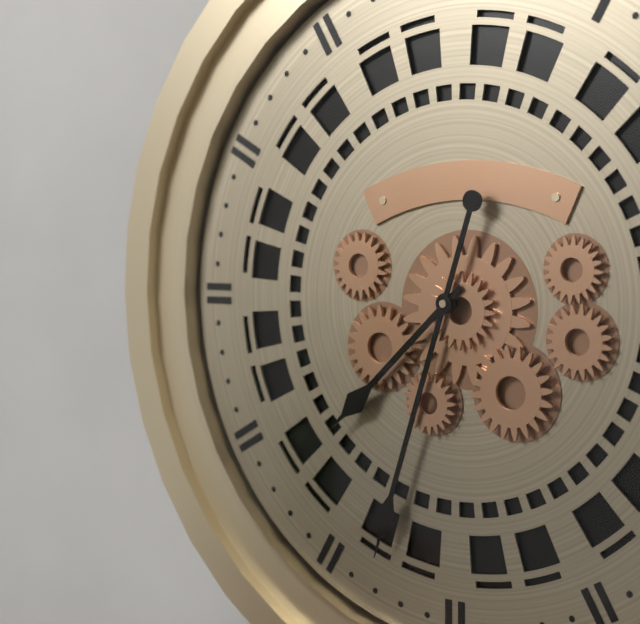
7 h 33 min
